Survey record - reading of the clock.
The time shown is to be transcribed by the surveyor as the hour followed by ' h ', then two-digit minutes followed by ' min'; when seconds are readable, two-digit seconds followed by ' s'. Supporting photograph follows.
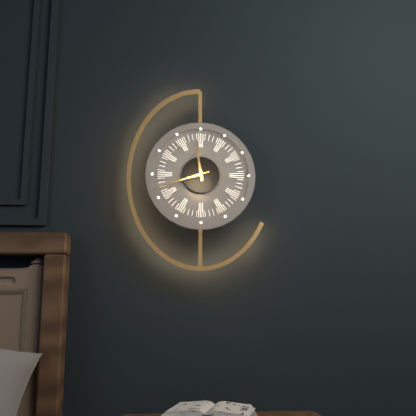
11 h 42 min
